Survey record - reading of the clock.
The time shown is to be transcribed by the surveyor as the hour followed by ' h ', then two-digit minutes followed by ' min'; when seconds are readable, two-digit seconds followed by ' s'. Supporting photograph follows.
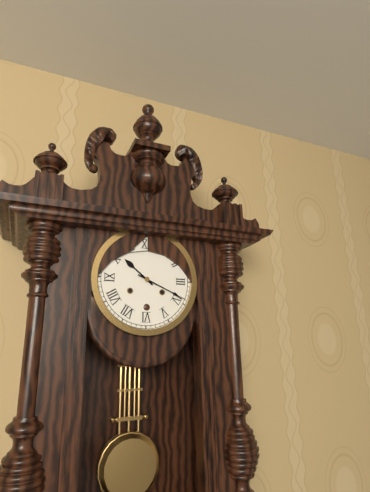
10 h 19 min
